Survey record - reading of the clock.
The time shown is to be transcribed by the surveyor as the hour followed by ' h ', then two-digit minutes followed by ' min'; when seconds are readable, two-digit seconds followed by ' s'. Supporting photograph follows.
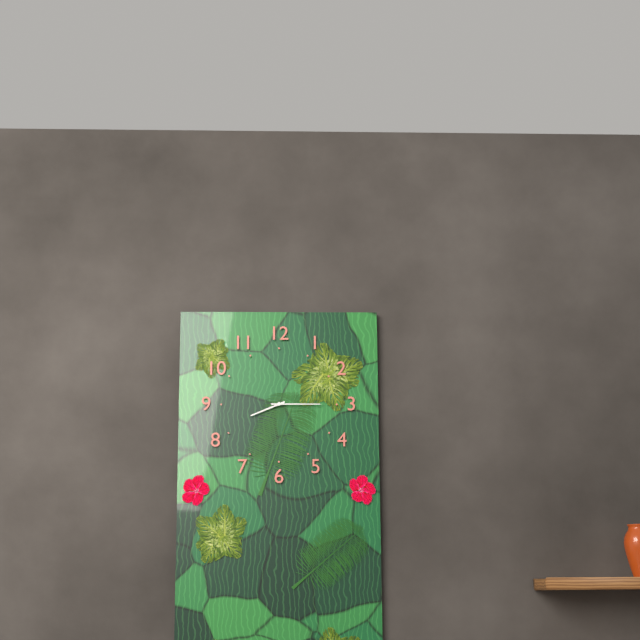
8 h 15 min
